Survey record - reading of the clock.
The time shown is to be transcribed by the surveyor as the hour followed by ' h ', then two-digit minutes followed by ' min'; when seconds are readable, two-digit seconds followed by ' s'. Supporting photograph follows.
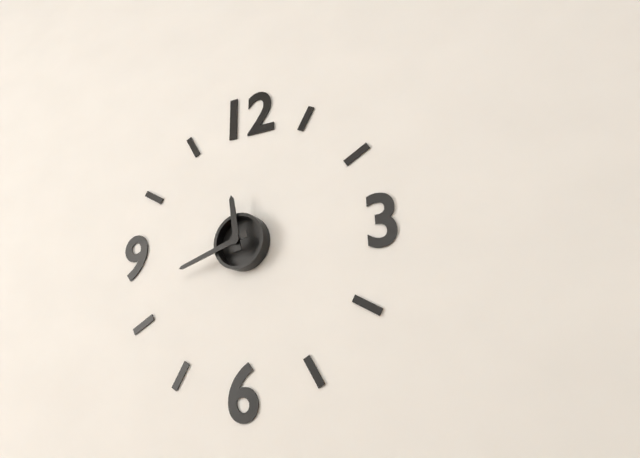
11 h 42 min
